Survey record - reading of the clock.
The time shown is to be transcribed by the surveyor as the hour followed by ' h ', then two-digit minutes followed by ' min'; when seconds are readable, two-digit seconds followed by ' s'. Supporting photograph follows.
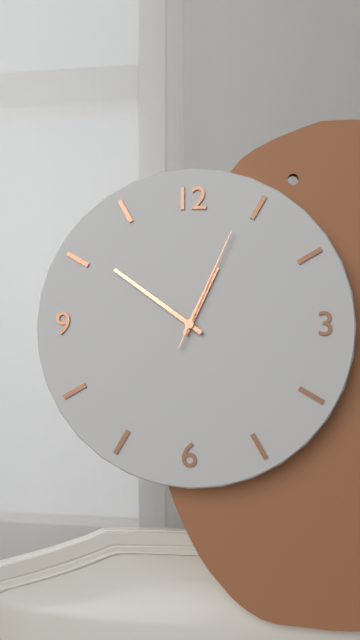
12 h 51 min 04 s
